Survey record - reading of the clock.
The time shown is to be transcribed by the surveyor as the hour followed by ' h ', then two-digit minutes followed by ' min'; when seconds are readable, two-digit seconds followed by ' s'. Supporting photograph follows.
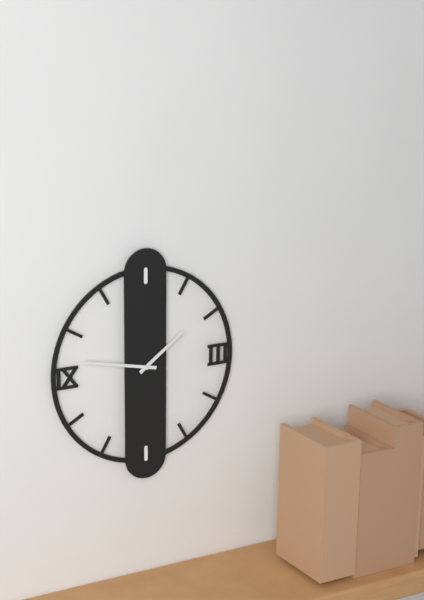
1 h 47 min
